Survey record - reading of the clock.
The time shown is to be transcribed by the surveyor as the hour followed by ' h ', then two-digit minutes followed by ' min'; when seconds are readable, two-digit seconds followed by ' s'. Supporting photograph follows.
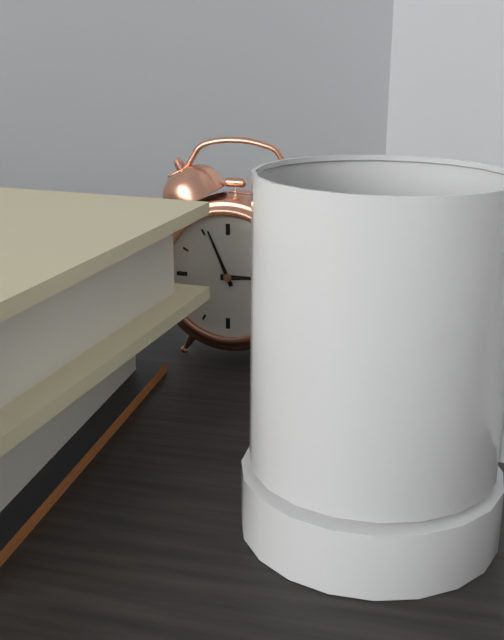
2 h 56 min
